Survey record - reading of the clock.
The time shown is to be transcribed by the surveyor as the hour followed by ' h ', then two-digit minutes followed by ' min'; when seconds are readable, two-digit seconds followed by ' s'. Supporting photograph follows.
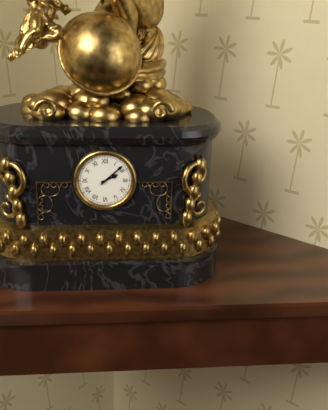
2 h 08 min
